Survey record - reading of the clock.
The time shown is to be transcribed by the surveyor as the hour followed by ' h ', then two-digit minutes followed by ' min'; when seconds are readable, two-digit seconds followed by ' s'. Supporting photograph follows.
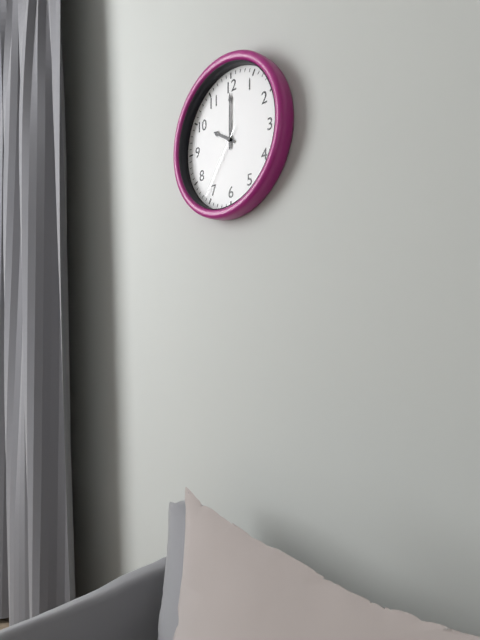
10 h 00 min 36 s
